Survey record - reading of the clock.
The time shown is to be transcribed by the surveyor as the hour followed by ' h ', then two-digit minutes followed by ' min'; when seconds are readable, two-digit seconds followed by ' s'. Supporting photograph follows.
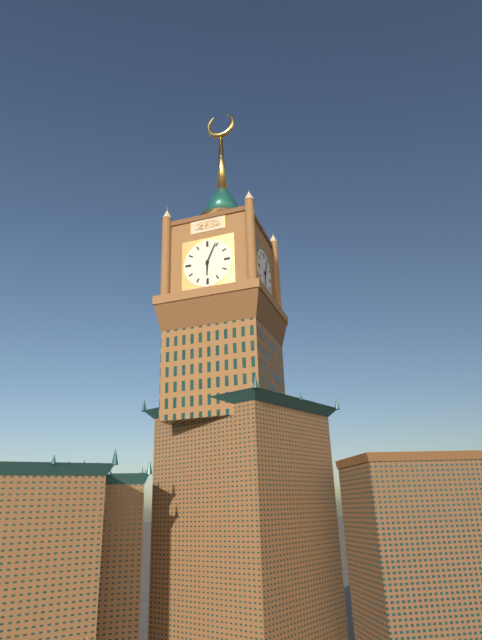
6 h 04 min
